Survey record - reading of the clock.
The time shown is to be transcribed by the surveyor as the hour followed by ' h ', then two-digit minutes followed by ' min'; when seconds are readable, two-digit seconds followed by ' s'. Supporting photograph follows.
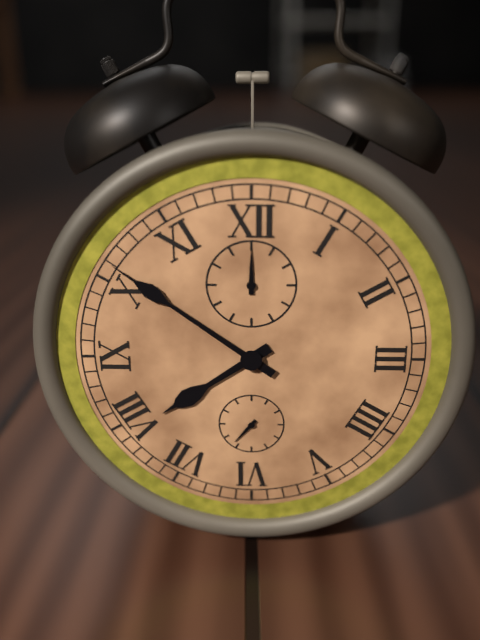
7 h 51 min
